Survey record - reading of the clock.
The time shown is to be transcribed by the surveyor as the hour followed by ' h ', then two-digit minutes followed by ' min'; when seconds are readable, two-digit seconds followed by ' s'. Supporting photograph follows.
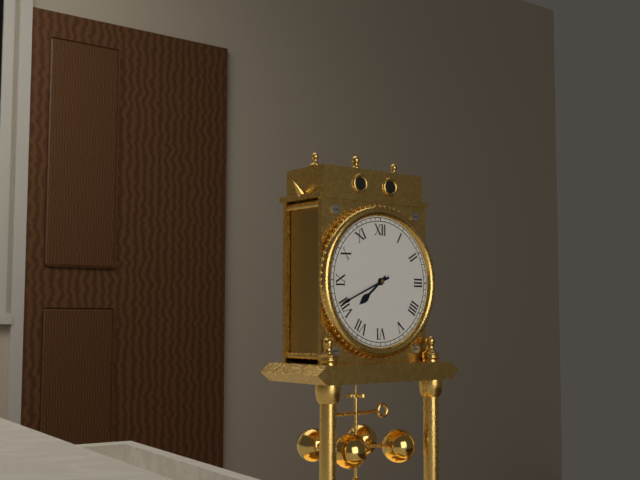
7 h 41 min
